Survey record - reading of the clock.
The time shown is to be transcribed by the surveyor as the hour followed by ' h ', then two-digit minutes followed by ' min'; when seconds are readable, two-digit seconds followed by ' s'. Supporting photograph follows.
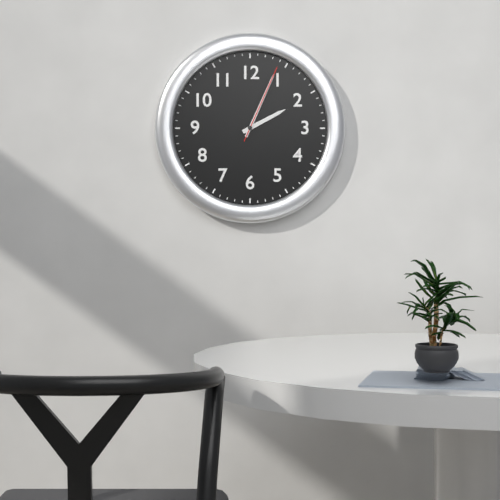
2 h 04 min 04 s
